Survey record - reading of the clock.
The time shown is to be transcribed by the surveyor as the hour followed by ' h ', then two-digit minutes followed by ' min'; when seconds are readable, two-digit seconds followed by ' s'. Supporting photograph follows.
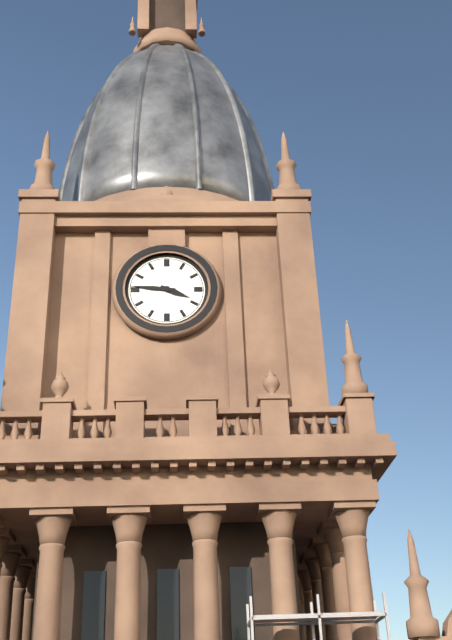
3 h 46 min
